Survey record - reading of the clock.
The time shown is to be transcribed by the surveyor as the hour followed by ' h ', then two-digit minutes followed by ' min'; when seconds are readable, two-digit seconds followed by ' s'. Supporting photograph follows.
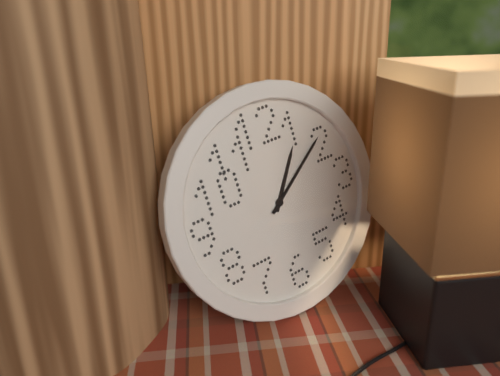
1 h 09 min
